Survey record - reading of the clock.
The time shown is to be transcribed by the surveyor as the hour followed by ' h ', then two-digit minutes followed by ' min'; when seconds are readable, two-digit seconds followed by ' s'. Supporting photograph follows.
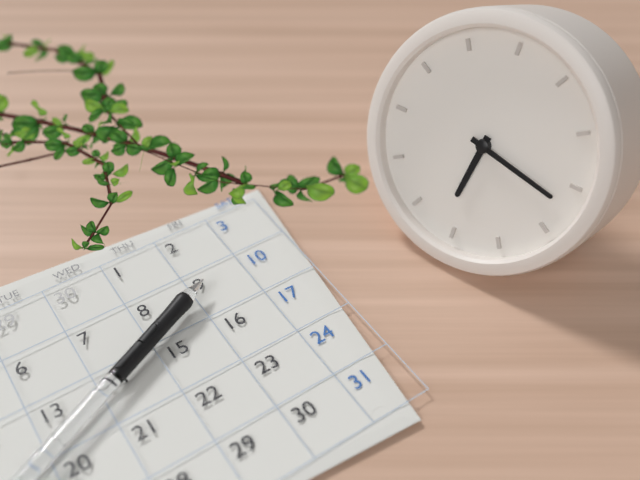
6 h 17 min
